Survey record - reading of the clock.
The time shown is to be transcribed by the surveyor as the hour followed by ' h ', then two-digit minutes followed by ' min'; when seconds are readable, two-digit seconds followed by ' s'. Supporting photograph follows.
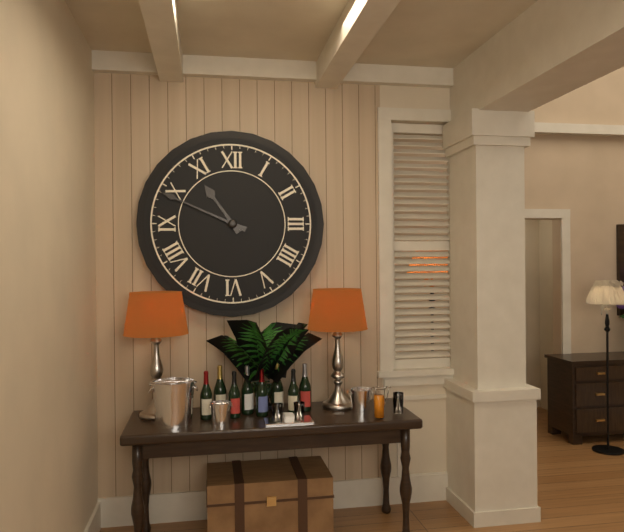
10 h 49 min
